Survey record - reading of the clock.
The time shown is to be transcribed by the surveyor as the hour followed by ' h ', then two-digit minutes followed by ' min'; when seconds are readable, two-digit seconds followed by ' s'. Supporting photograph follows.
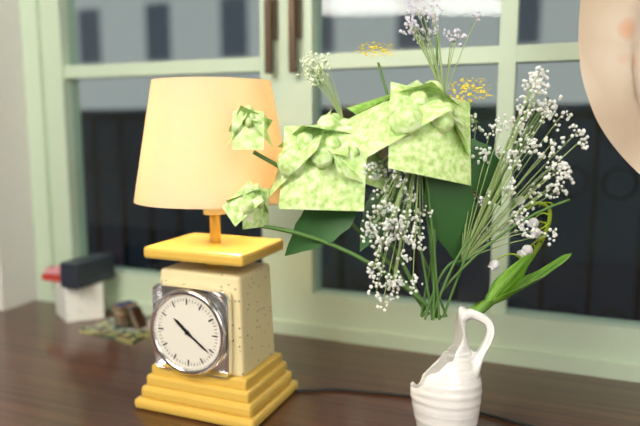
10 h 21 min
